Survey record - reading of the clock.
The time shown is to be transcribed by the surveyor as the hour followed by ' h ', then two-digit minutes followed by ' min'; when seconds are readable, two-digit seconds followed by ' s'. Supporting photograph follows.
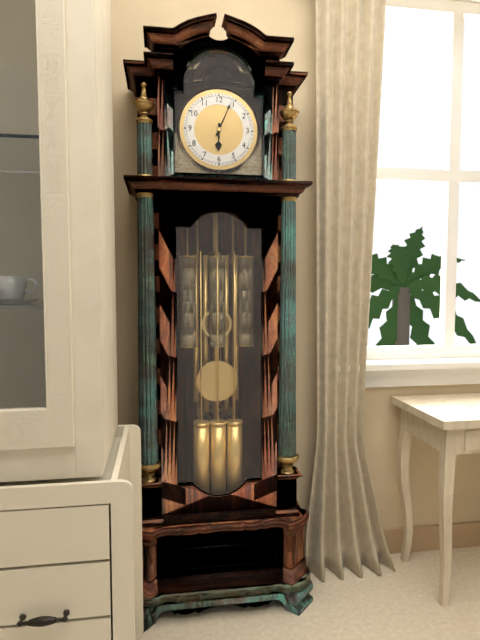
6 h 04 min
